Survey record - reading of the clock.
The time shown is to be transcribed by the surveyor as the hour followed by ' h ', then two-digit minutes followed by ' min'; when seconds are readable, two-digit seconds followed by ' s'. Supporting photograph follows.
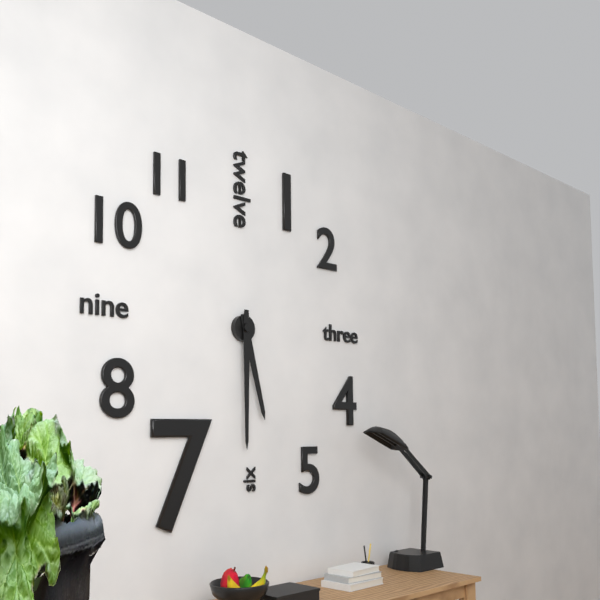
5 h 30 min
